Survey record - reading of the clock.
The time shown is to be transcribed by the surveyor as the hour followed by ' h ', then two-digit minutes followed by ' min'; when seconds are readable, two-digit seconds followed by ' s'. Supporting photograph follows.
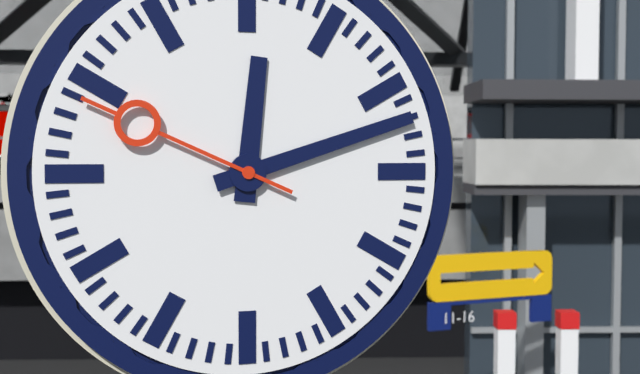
12 h 12 min 49 s
